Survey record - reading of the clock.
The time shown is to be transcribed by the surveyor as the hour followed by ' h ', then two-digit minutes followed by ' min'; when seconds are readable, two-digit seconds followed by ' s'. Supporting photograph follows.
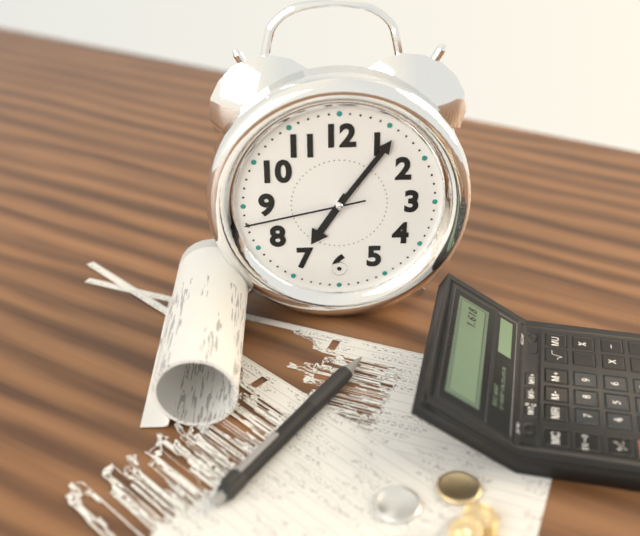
7 h 06 min 43 s
